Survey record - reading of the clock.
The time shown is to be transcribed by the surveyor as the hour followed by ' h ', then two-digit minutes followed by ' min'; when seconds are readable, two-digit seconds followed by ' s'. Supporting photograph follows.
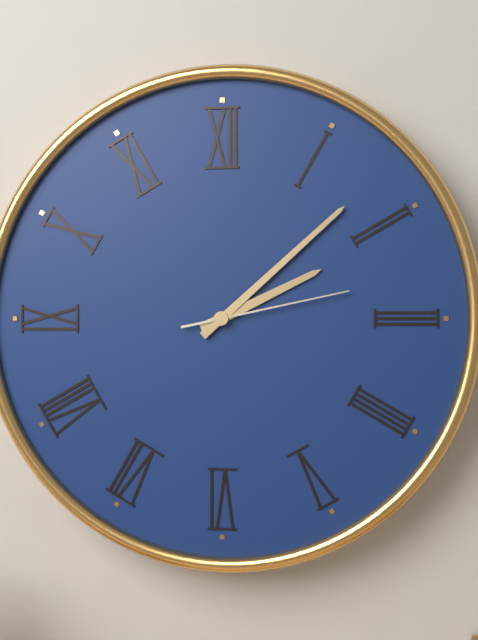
2 h 08 min 13 s
